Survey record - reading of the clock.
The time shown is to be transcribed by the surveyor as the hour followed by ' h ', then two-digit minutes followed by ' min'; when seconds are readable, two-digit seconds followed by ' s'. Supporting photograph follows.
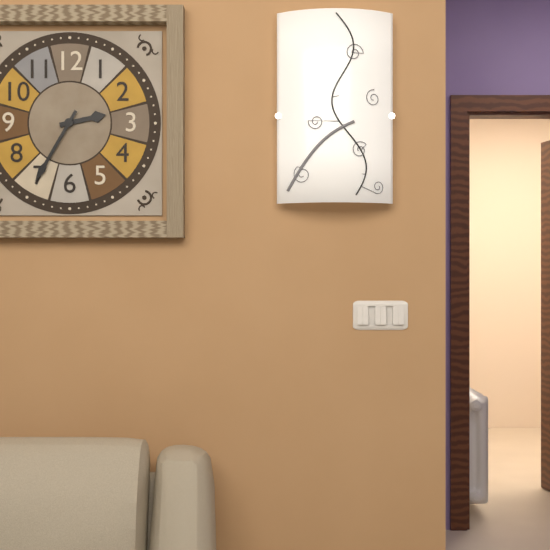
2 h 35 min
